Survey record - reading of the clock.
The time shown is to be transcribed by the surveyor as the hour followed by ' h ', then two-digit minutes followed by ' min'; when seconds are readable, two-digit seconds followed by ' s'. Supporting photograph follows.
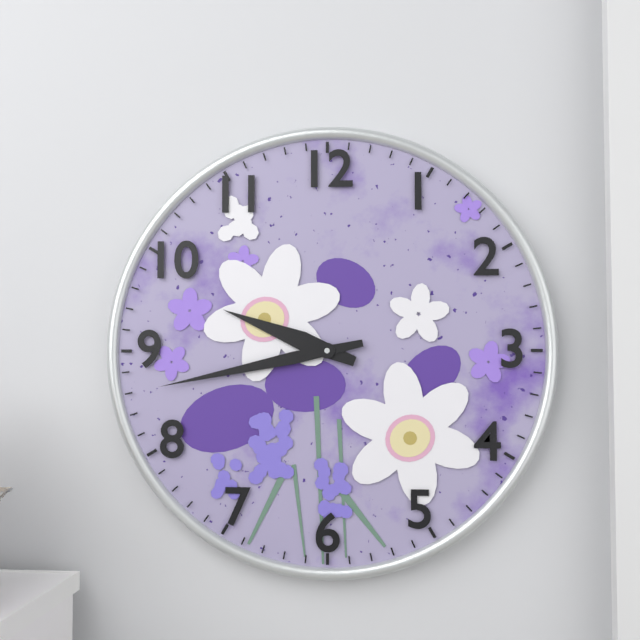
9 h 43 min
